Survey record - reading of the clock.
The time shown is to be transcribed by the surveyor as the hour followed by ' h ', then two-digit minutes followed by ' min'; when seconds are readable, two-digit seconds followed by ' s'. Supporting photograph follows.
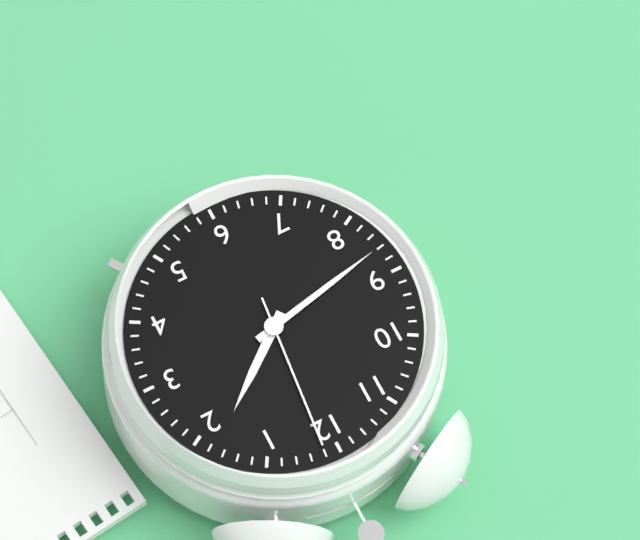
1 h 43 min 01 s
